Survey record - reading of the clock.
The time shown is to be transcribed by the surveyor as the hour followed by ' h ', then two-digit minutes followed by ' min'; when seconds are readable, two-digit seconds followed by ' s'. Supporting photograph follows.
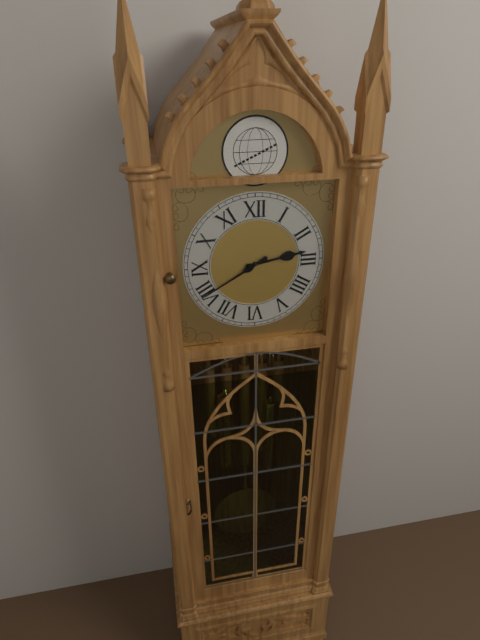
2 h 40 min
